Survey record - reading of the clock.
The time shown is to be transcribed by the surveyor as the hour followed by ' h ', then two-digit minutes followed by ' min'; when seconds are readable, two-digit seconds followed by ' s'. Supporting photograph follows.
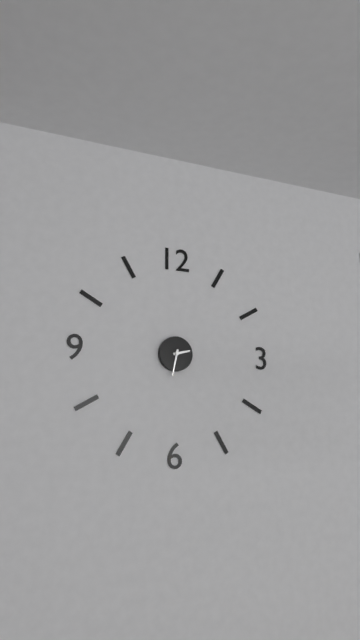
2 h 32 min
